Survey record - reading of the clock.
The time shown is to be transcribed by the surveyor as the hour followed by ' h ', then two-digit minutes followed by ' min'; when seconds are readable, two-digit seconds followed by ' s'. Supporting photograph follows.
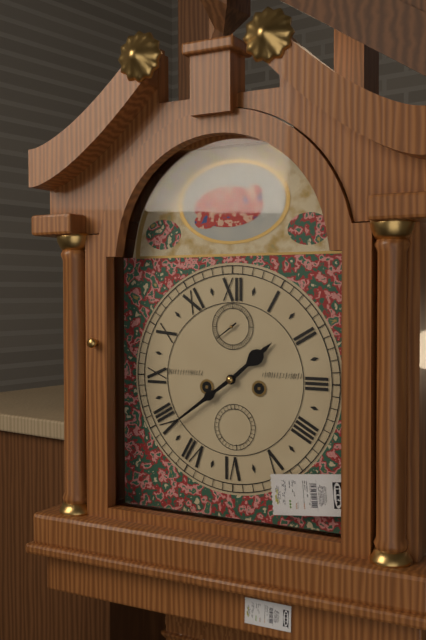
1 h 39 min
